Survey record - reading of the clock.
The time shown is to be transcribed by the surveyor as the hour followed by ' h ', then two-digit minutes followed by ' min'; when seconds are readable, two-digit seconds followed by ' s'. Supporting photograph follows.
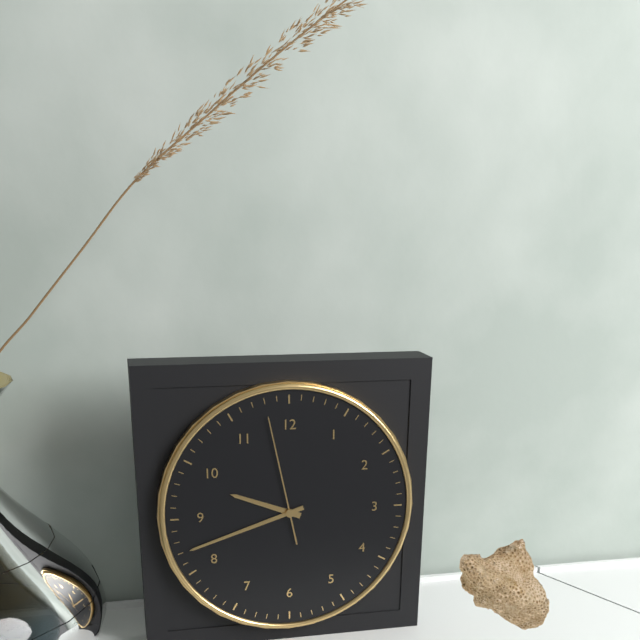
9 h 42 min 58 s
